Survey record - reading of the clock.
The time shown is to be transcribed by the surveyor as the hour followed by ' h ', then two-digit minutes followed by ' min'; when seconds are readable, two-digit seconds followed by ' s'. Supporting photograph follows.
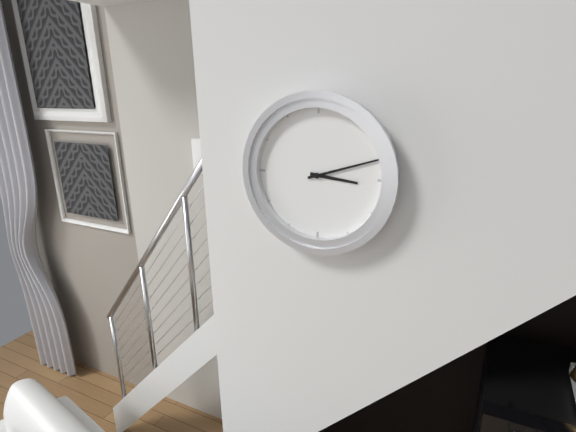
3 h 12 min
